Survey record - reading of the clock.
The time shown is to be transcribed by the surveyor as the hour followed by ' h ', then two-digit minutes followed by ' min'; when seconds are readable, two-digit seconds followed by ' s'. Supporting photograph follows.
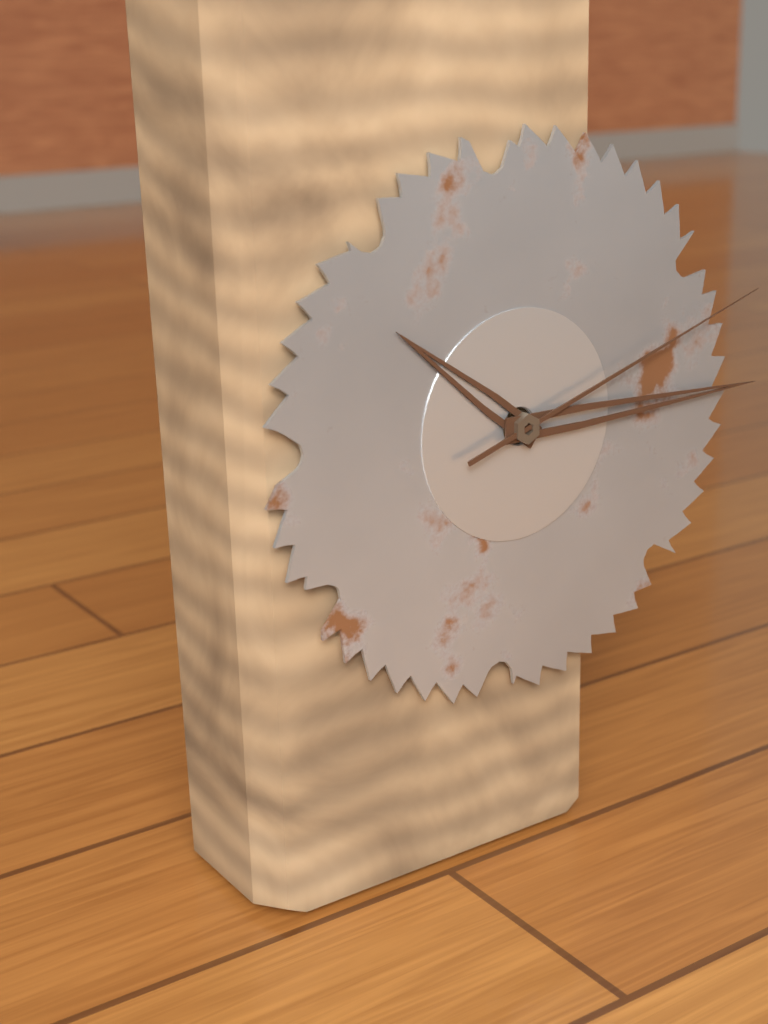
10 h 15 min 12 s
